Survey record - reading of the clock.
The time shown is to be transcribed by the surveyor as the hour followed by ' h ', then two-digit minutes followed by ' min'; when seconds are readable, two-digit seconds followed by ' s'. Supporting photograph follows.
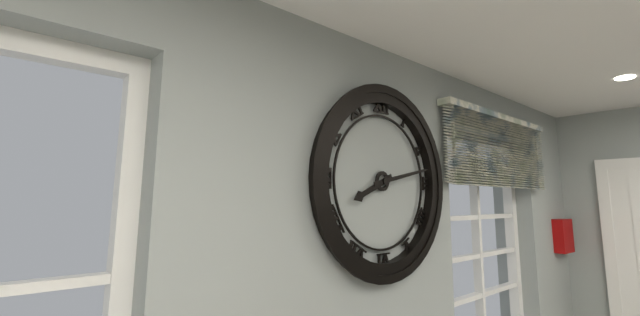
8 h 13 min
